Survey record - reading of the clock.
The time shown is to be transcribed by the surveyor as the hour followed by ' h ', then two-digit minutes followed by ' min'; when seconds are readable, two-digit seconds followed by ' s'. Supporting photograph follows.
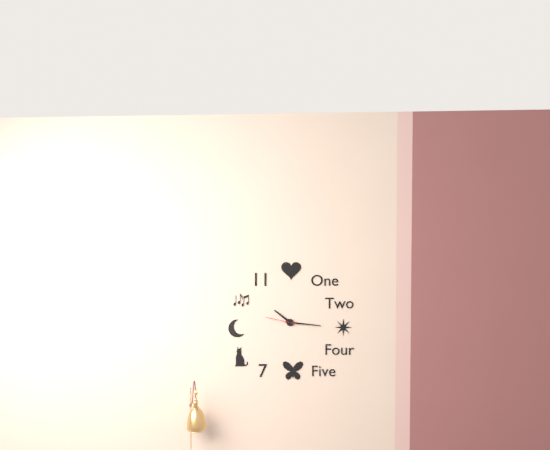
10 h 16 min
